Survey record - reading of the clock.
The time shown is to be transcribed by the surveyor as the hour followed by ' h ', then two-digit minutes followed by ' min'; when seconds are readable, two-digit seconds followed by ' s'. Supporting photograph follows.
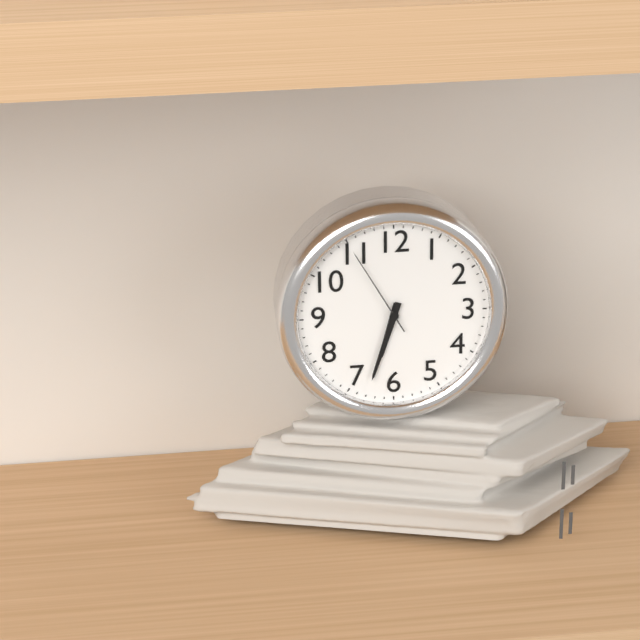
6 h 33 min 55 s
